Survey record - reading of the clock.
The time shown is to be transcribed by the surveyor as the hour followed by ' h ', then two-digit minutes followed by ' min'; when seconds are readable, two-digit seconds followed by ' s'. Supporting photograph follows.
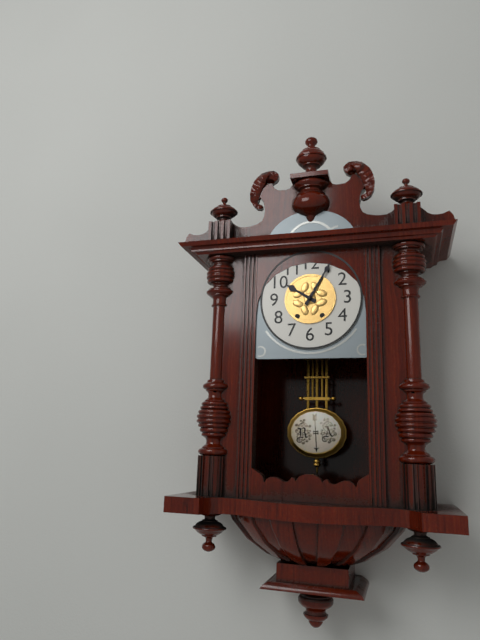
10 h 05 min
